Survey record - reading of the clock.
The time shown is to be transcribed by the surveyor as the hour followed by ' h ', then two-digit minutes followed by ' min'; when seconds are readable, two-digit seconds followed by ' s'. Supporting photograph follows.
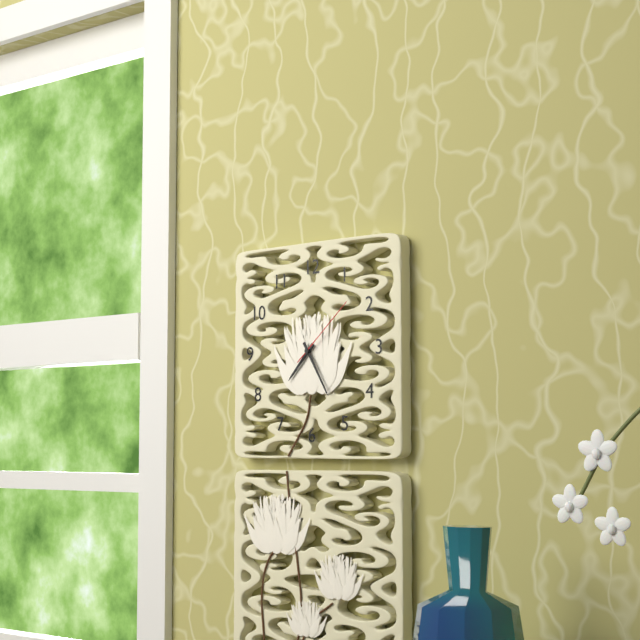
7 h 25 min 08 s
